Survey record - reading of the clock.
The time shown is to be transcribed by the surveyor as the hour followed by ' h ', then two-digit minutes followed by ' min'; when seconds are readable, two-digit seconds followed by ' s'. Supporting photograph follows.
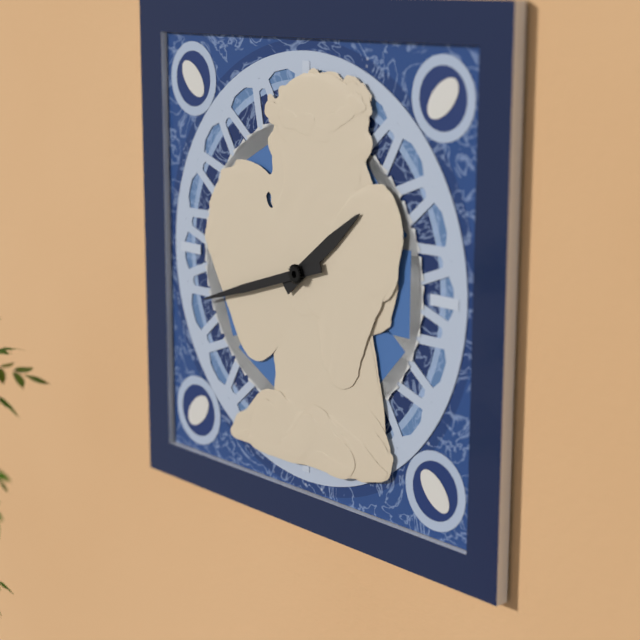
1 h 42 min
